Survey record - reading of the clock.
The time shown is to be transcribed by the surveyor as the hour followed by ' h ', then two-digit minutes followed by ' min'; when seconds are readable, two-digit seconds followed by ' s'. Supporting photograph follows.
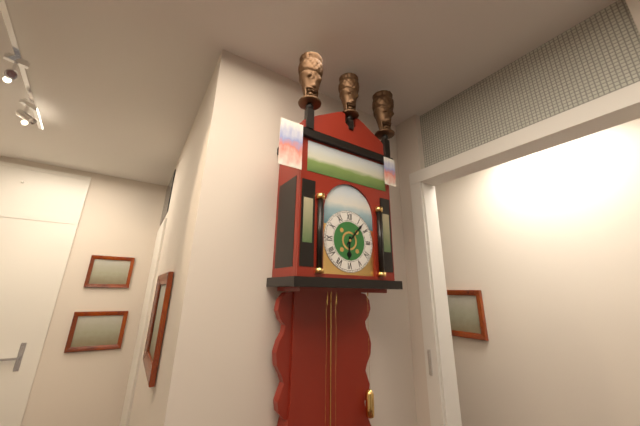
6 h 07 min
